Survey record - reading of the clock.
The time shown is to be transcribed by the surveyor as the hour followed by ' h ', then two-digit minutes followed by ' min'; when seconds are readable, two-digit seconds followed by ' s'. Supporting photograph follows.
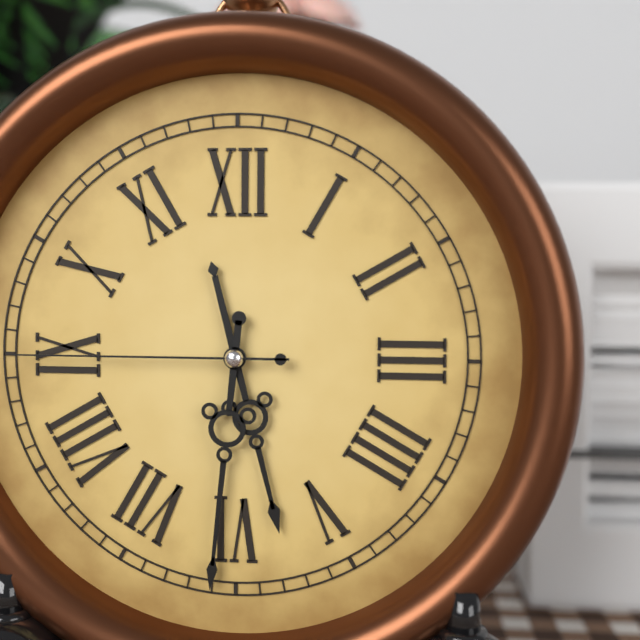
5 h 31 min 45 s
